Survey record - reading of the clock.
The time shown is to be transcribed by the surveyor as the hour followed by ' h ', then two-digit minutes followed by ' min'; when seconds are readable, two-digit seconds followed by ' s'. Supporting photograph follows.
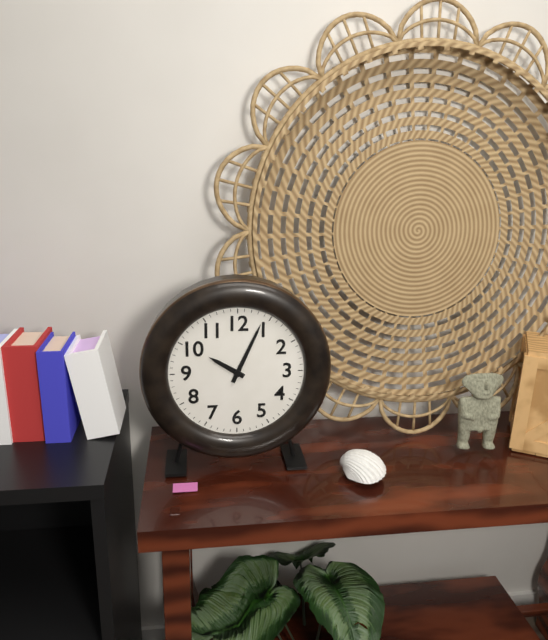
10 h 04 min
